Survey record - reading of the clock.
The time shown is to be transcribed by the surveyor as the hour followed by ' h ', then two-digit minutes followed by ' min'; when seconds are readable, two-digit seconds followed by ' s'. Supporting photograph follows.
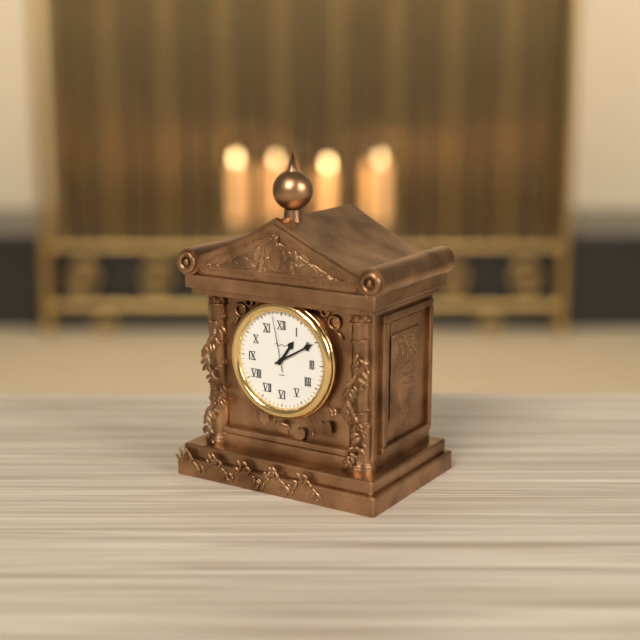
1 h 10 min 58 s
